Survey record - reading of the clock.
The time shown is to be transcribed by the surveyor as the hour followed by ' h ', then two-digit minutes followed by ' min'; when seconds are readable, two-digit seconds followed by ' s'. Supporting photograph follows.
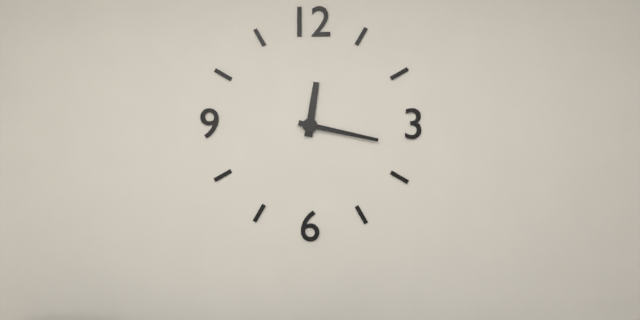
12 h 17 min
